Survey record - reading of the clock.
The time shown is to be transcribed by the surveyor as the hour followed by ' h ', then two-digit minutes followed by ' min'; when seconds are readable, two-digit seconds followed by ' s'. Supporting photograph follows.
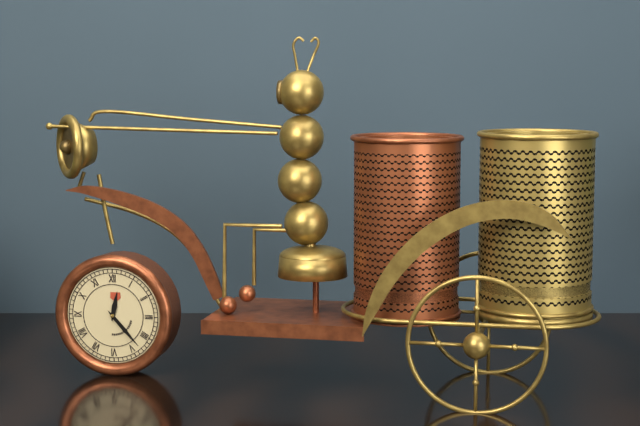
12 h 23 min
